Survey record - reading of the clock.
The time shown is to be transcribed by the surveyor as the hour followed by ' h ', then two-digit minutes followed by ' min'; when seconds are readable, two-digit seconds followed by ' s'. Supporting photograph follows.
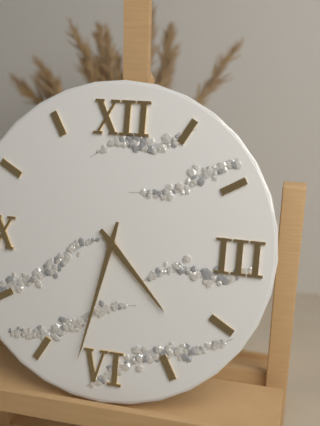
4 h 32 min
